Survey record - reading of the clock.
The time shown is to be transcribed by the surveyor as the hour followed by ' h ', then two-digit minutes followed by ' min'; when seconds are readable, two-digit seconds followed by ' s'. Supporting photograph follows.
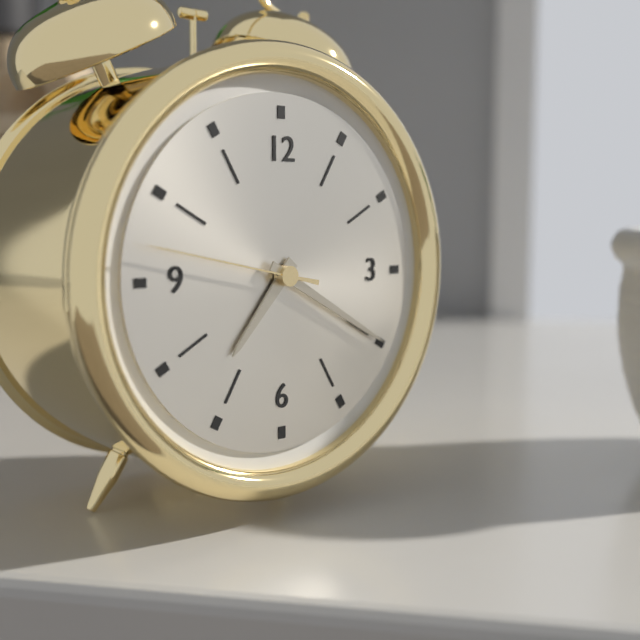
7 h 20 min 47 s
